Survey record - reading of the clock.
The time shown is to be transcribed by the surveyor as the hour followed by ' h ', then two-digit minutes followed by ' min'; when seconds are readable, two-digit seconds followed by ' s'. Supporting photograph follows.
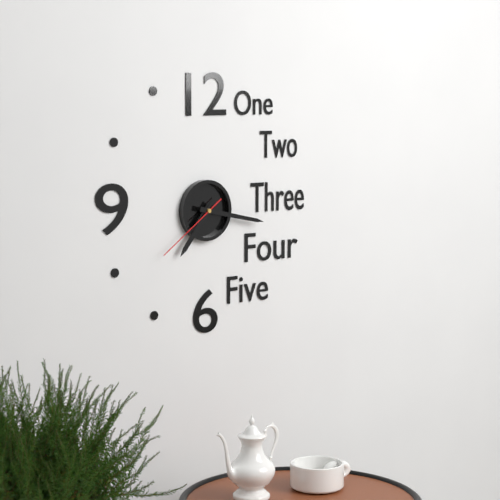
7 h 17 min 39 s
